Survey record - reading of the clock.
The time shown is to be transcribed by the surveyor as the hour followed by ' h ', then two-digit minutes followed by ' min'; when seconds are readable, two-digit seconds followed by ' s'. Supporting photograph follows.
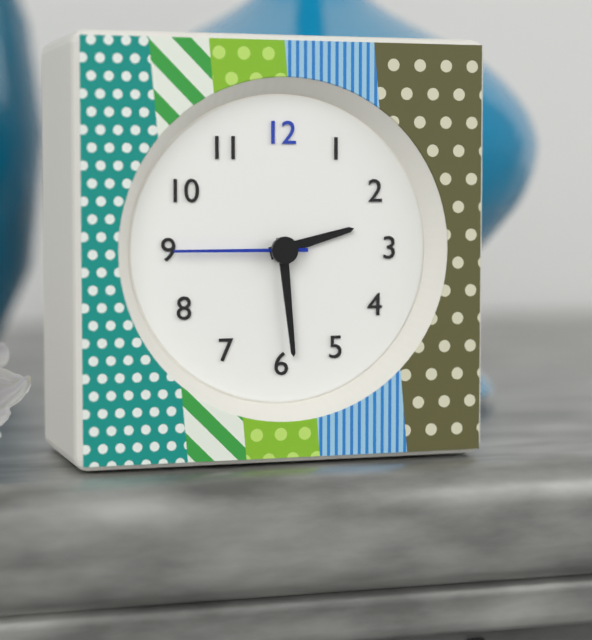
2 h 29 min 45 s
